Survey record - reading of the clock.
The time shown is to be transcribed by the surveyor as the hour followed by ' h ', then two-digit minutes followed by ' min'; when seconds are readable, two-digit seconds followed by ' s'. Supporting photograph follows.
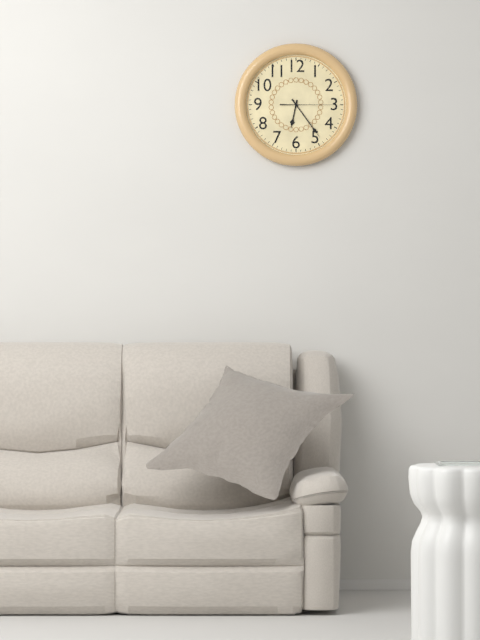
6 h 24 min
